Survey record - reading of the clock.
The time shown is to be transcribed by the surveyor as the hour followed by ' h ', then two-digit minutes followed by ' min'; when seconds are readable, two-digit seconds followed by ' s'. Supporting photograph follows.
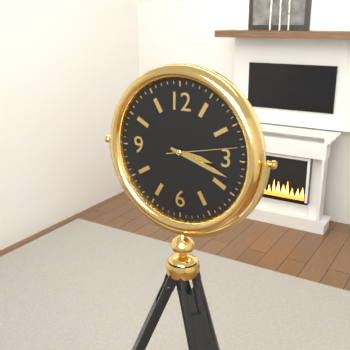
3 h 18 min 13 s
